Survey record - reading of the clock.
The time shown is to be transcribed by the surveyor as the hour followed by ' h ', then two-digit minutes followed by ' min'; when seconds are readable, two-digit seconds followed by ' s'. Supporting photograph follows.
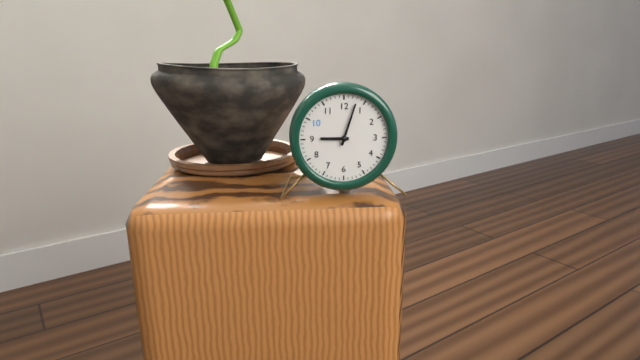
9 h 03 min
